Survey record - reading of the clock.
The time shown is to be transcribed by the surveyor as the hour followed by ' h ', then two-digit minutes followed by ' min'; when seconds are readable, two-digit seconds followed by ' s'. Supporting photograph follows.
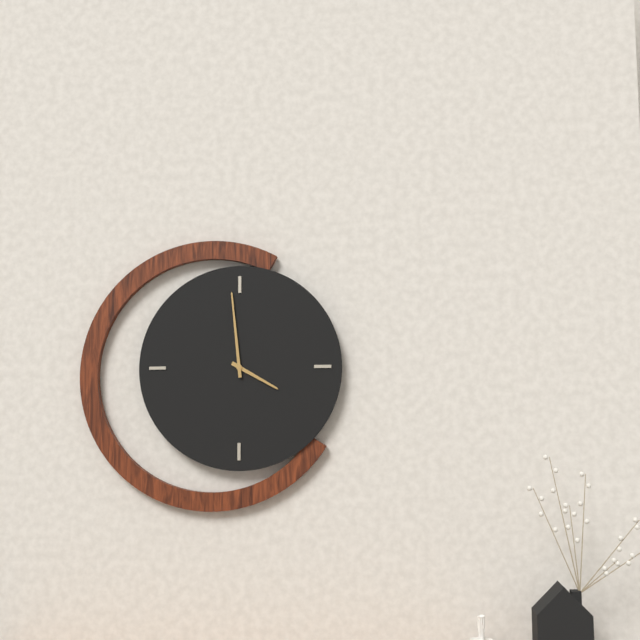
3 h 59 min
